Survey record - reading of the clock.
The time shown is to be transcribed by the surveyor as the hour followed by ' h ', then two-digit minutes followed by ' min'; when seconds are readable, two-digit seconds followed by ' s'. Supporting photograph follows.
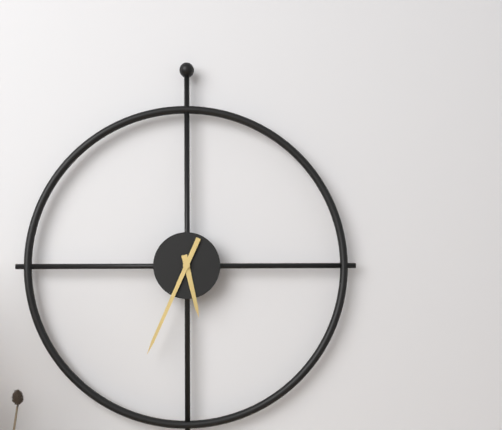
5 h 34 min
